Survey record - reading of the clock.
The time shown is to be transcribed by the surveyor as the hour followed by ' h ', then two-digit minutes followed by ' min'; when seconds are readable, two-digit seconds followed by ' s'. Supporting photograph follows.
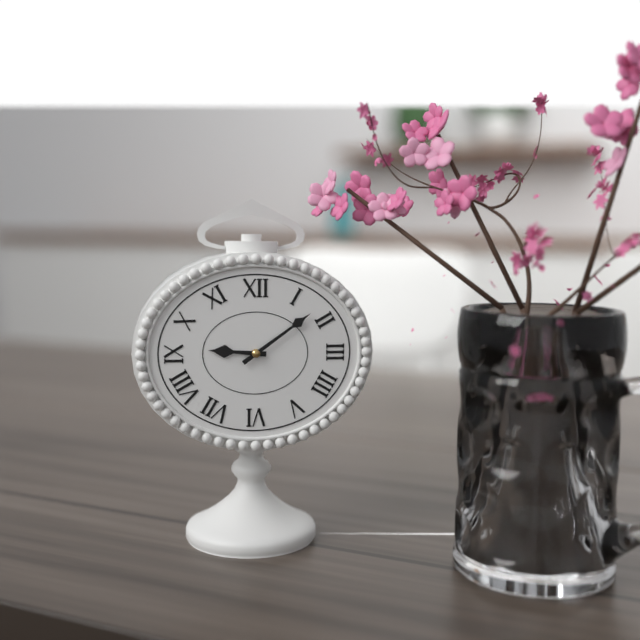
9 h 09 min
